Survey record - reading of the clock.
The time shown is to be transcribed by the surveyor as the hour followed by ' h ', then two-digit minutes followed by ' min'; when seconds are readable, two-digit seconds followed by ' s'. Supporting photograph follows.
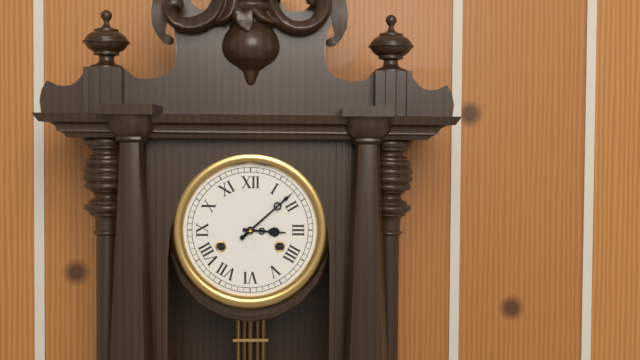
3 h 08 min
